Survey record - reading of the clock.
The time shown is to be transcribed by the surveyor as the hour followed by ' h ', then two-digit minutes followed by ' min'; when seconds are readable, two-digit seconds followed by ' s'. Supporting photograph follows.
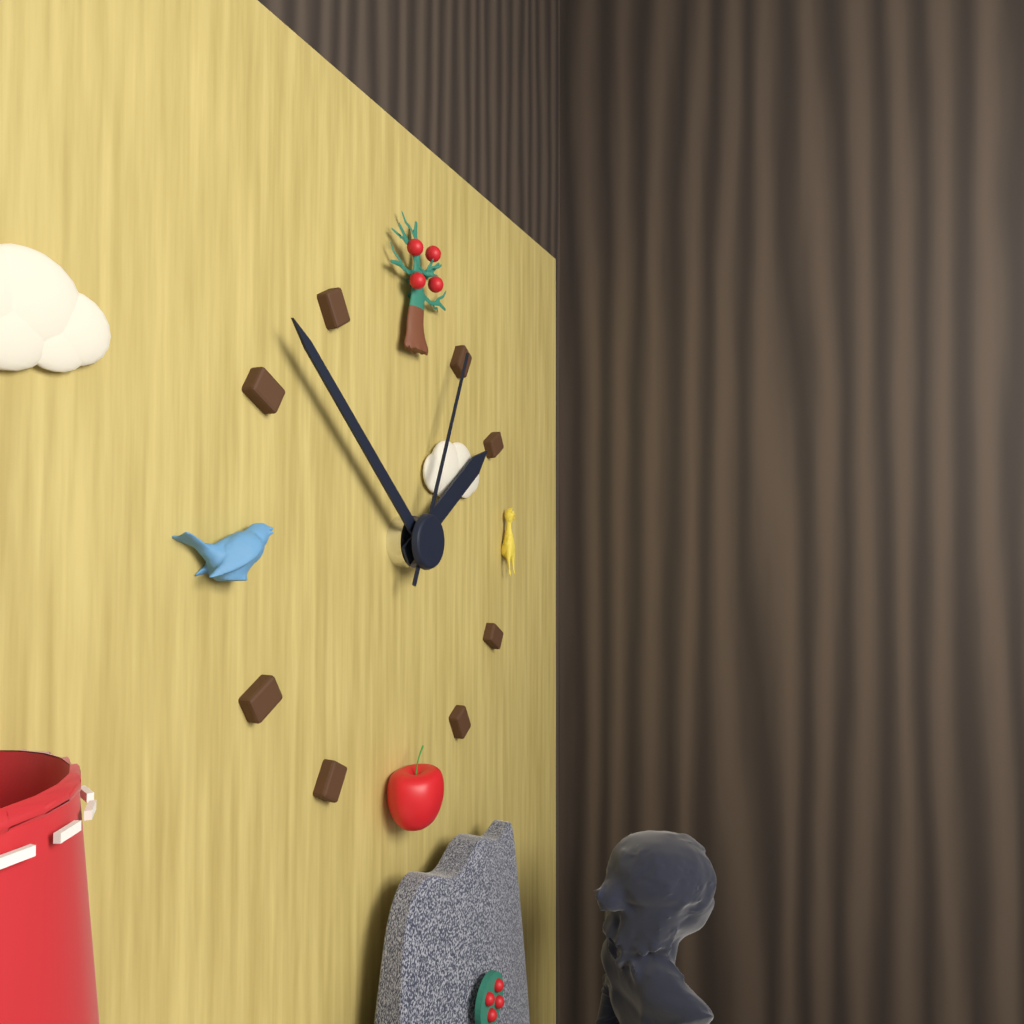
1 h 52 min 04 s
